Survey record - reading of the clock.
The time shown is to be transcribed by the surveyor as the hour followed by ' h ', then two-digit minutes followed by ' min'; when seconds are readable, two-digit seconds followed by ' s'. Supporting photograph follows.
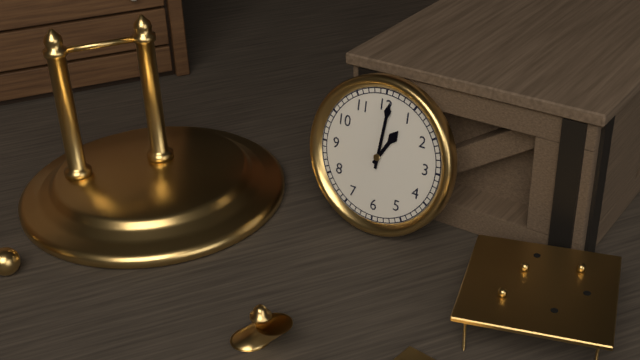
1 h 01 min
